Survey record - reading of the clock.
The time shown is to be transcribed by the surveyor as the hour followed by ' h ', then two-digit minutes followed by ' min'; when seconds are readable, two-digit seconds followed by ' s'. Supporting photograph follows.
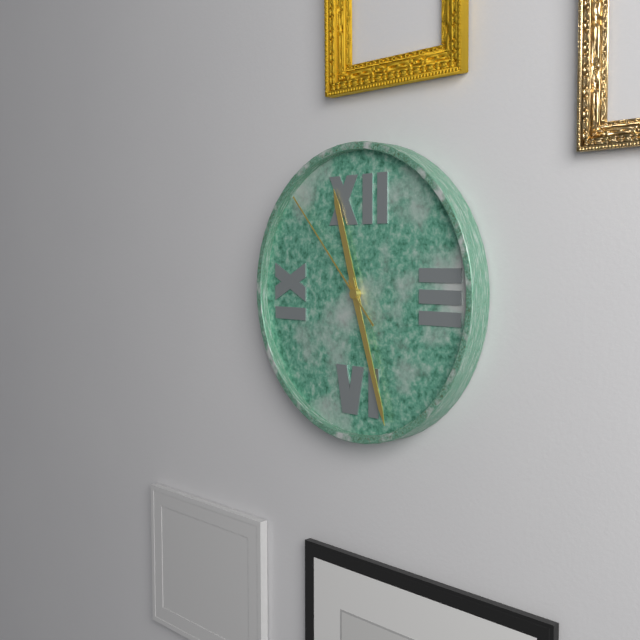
11 h 27 min 53 s
